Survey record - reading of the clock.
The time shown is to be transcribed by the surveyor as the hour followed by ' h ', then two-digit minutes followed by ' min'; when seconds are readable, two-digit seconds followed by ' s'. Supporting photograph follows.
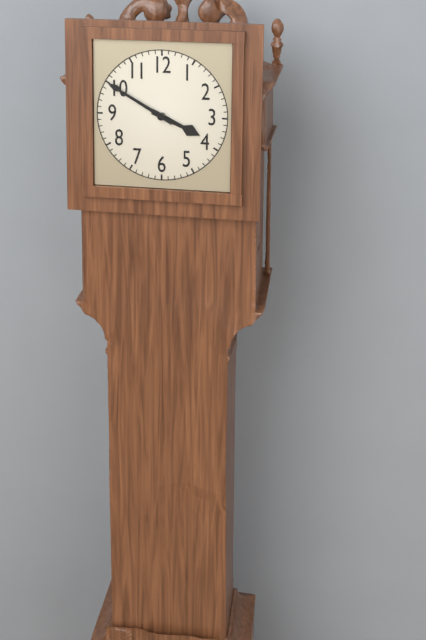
3 h 50 min
